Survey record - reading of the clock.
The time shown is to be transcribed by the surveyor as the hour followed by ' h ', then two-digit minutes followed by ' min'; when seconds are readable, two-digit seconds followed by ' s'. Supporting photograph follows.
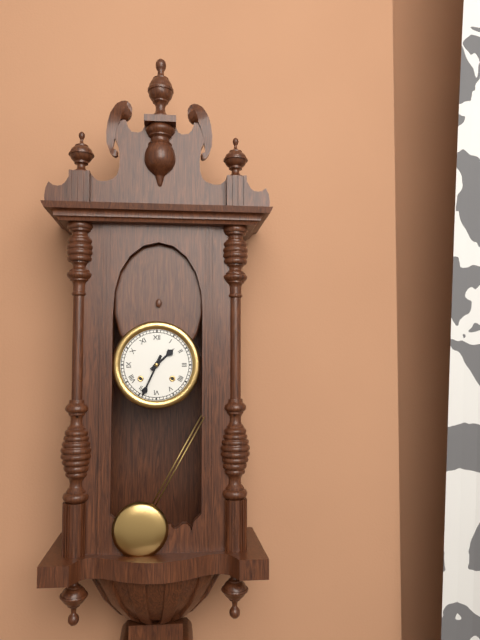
1 h 34 min
